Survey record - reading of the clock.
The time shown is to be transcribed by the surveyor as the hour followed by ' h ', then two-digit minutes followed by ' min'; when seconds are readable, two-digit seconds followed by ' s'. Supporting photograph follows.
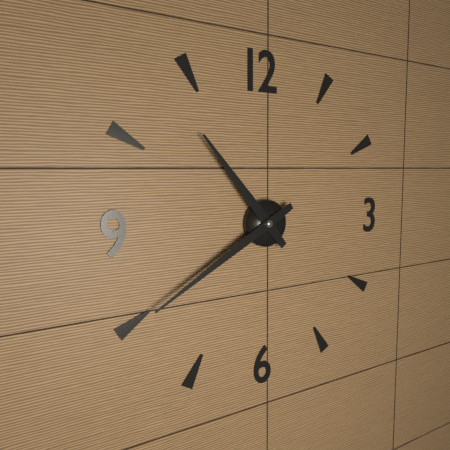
10 h 40 min
